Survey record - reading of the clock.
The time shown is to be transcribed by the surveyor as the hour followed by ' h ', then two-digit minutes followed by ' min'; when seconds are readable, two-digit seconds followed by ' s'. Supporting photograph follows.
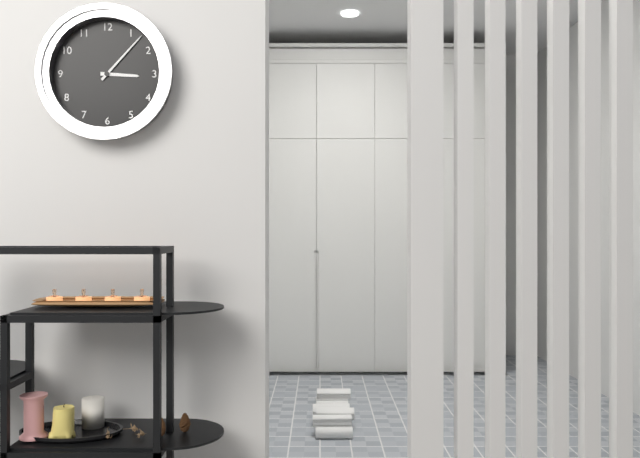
3 h 07 min
